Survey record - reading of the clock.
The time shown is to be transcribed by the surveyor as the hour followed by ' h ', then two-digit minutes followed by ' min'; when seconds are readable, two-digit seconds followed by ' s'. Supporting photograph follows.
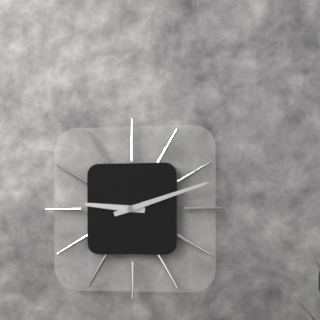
9 h 12 min
